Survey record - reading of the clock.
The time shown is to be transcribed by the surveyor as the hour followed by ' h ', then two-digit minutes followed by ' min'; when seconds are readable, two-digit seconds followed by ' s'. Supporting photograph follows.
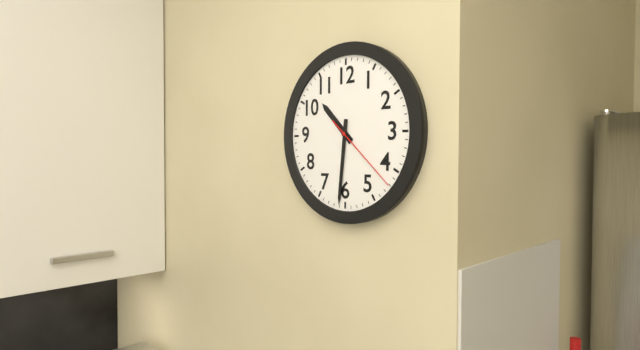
10 h 31 min 22 s
